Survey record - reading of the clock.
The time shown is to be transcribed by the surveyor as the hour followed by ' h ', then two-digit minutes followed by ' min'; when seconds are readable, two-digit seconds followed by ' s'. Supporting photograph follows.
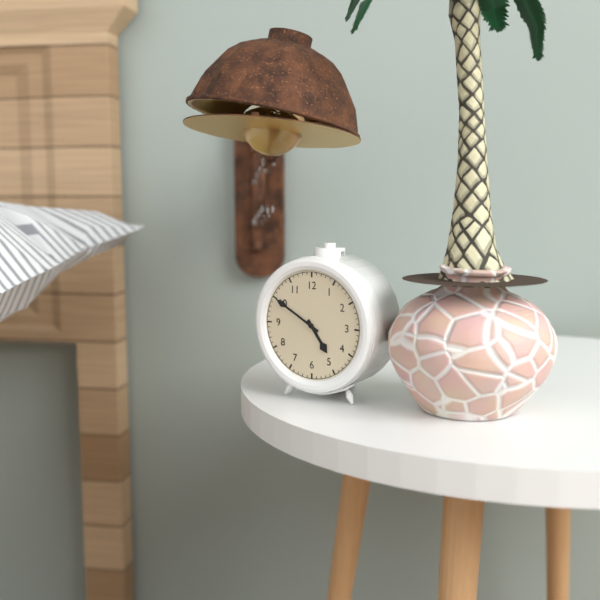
4 h 50 min
